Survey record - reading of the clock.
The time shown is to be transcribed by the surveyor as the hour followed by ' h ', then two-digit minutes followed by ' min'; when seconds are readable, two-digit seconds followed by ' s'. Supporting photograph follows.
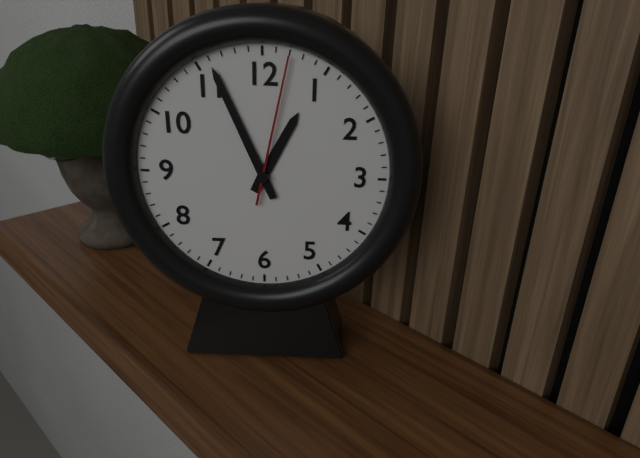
12 h 56 min 02 s
